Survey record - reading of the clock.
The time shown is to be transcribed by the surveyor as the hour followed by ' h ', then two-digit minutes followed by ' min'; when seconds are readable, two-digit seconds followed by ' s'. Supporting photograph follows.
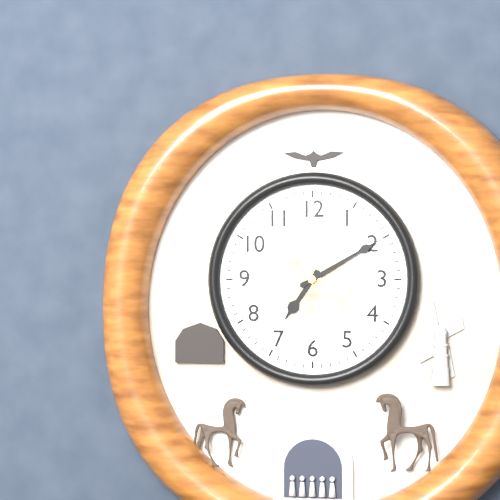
7 h 10 min
